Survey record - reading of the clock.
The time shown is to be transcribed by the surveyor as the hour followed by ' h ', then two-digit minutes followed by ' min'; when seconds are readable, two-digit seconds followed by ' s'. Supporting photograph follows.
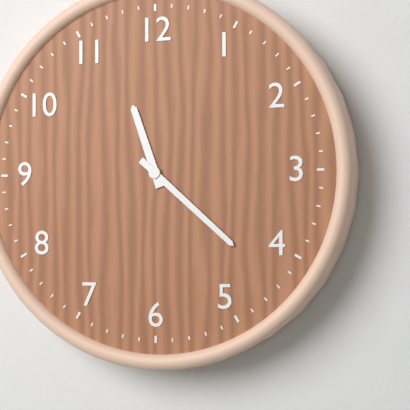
11 h 22 min
